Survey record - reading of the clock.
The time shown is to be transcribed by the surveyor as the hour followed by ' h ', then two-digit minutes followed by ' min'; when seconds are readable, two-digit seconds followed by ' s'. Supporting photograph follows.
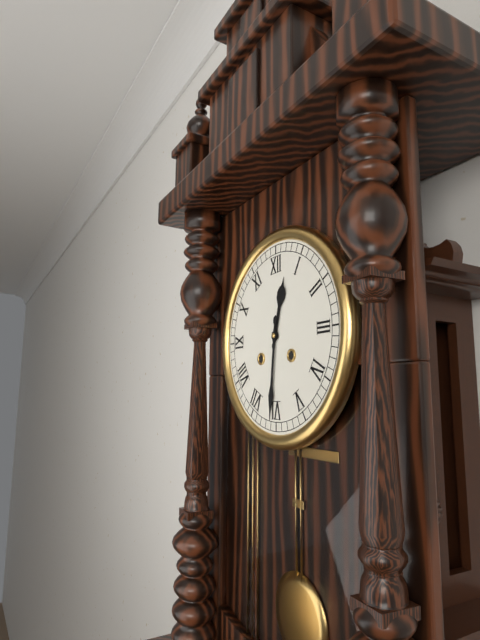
12 h 31 min
